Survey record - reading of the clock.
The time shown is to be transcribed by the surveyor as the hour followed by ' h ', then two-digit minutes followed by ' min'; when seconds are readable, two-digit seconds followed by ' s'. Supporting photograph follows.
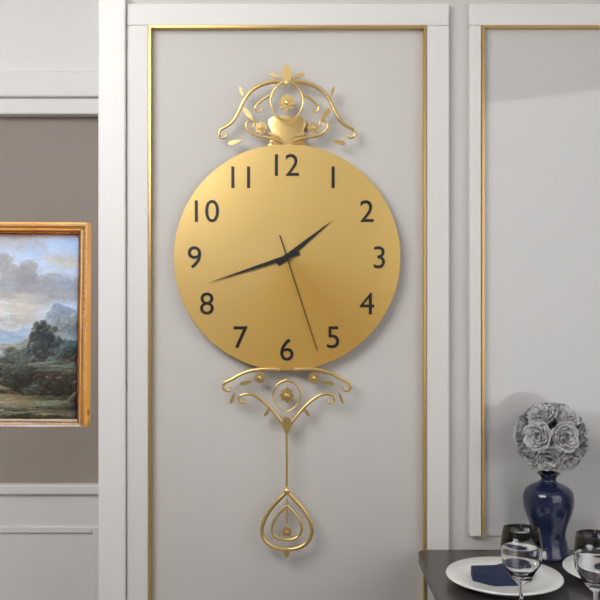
1 h 42 min 27 s
